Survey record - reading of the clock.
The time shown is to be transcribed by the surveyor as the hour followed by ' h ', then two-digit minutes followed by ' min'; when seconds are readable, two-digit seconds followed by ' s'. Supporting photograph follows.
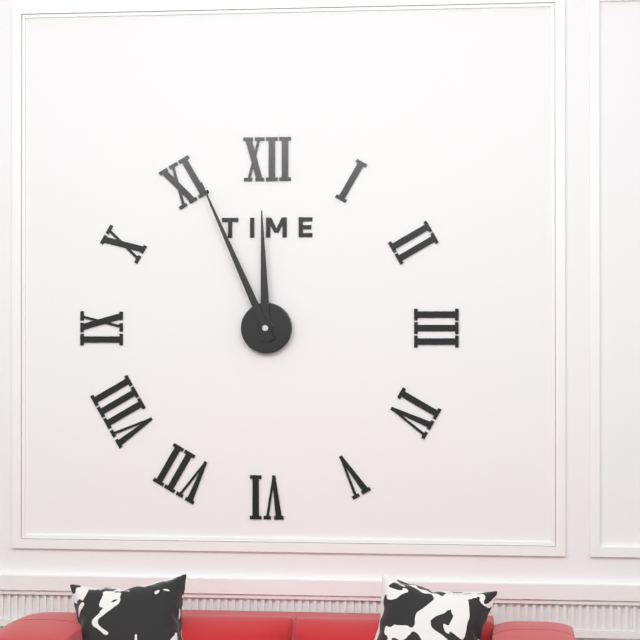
11 h 56 min
